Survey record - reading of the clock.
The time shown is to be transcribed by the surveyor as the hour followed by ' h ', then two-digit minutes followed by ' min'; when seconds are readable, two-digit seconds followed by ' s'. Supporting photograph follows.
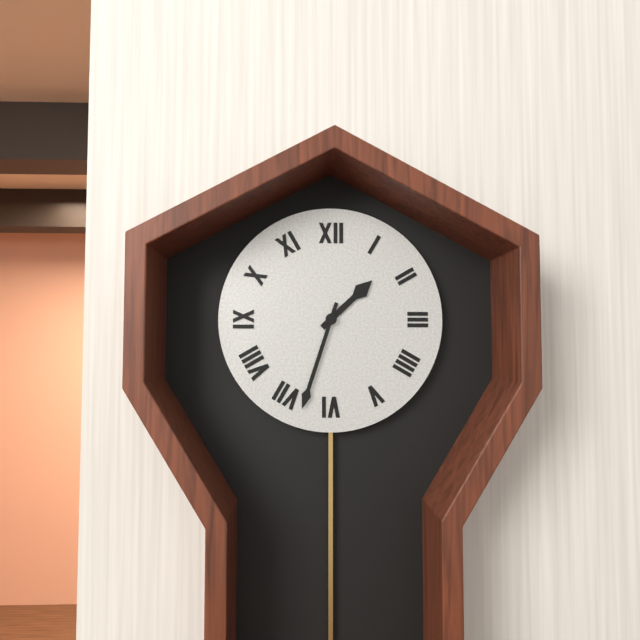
1 h 33 min
